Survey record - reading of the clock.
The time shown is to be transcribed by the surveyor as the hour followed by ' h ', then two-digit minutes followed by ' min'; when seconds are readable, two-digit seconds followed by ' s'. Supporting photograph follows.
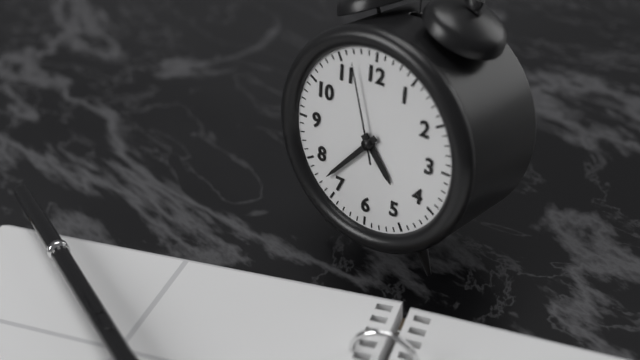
4 h 37 min 57 s
